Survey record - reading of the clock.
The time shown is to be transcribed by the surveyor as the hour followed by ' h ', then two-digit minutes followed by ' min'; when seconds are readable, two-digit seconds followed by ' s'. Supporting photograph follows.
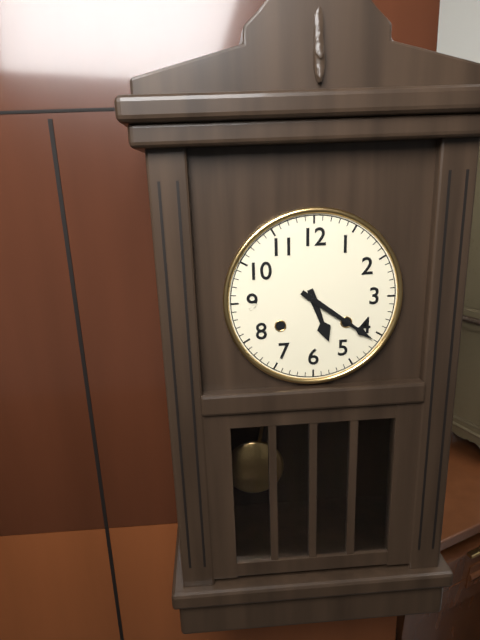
5 h 21 min
